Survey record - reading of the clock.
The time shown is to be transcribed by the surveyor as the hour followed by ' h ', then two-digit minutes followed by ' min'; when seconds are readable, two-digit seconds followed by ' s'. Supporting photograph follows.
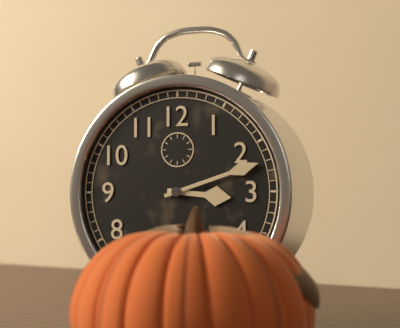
3 h 12 min
